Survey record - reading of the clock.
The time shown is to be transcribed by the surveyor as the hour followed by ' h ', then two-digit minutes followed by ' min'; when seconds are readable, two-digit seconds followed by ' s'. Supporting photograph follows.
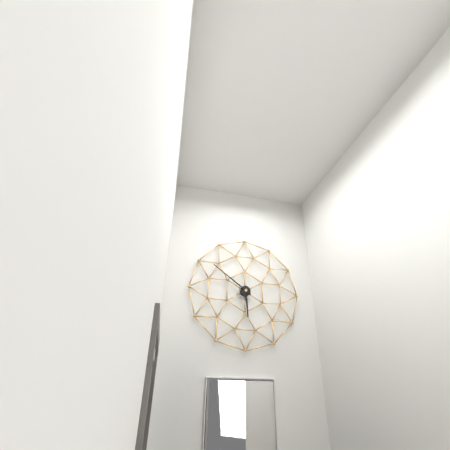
5 h 51 min
